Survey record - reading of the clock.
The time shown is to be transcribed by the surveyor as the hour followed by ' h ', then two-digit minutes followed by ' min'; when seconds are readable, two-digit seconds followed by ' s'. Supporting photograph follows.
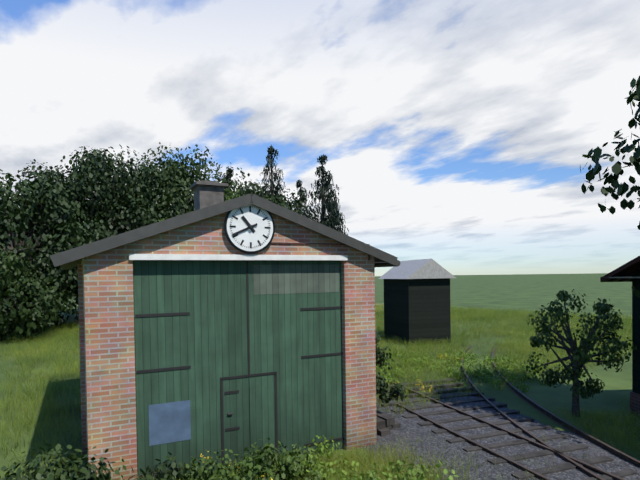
10 h 41 min
